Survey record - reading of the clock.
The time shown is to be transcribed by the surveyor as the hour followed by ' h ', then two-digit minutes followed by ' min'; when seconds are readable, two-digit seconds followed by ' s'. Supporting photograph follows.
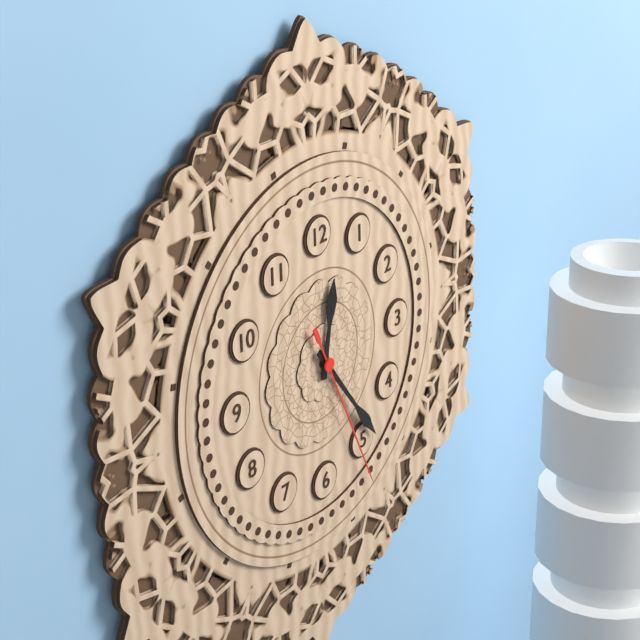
12 h 24 min 26 s
